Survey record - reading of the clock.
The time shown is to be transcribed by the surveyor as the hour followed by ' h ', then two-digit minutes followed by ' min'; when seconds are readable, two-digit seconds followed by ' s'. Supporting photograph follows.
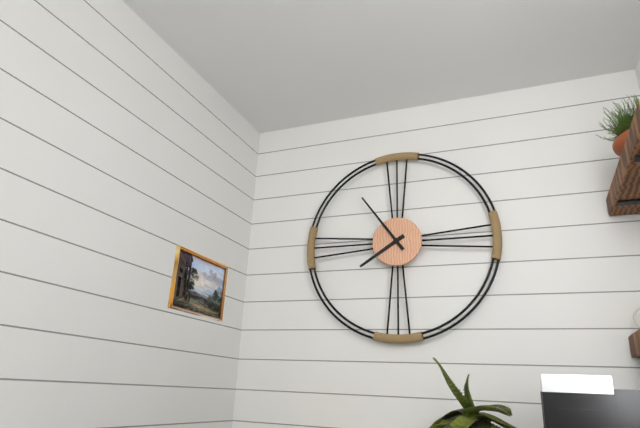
7 h 54 min
